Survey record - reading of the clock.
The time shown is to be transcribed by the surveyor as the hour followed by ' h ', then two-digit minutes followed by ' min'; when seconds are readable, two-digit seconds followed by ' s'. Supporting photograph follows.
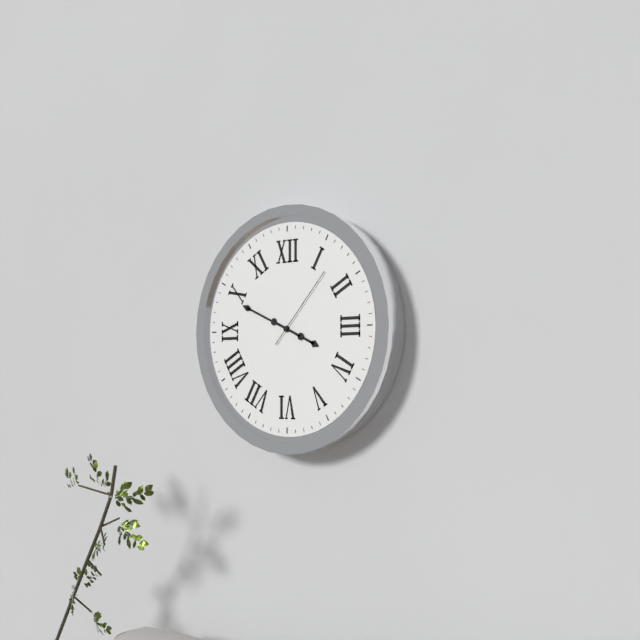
3 h 49 min 07 s
